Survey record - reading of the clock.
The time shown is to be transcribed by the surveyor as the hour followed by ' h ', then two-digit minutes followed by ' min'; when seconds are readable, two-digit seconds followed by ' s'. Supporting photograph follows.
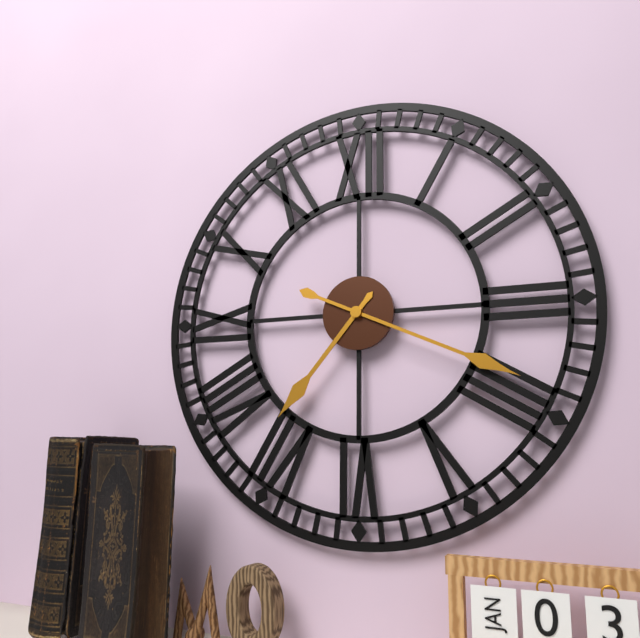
7 h 19 min
